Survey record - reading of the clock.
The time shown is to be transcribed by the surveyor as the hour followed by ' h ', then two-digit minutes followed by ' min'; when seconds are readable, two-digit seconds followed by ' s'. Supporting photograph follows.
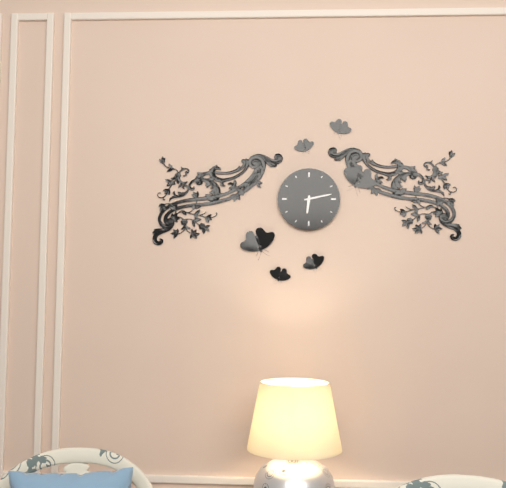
6 h 13 min
